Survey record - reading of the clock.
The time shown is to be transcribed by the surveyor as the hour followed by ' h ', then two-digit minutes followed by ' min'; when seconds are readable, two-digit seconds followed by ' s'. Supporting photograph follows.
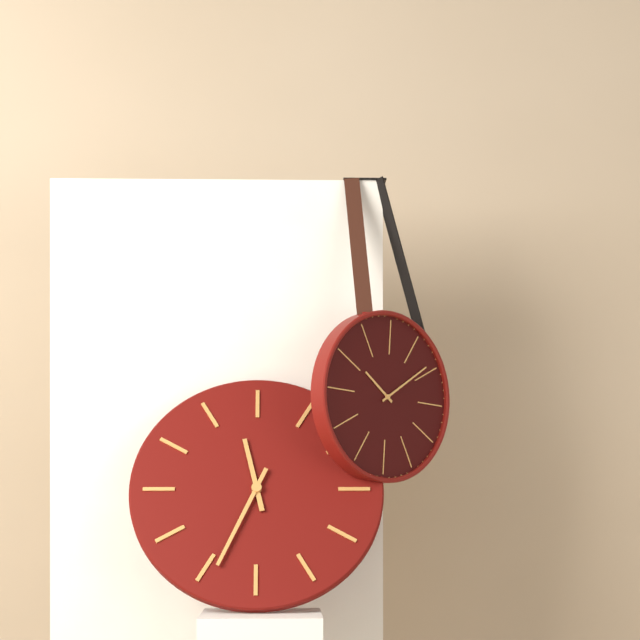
11 h 34 min
